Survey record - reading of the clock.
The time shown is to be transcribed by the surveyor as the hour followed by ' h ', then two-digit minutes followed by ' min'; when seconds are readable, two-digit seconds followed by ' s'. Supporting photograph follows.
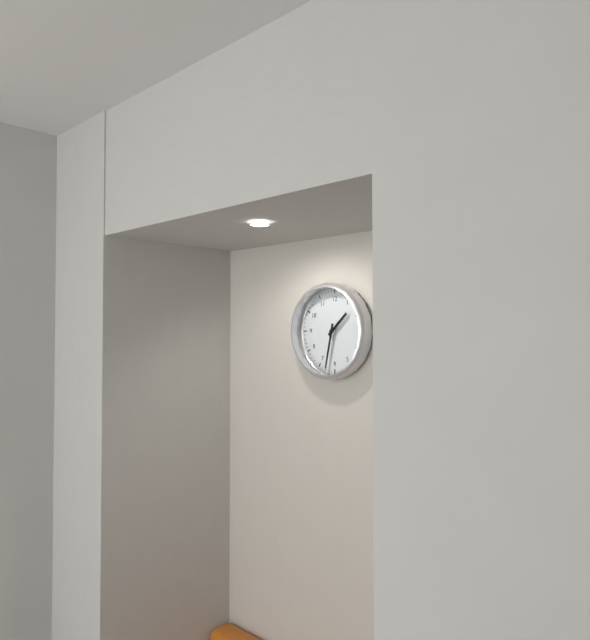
1 h 32 min
